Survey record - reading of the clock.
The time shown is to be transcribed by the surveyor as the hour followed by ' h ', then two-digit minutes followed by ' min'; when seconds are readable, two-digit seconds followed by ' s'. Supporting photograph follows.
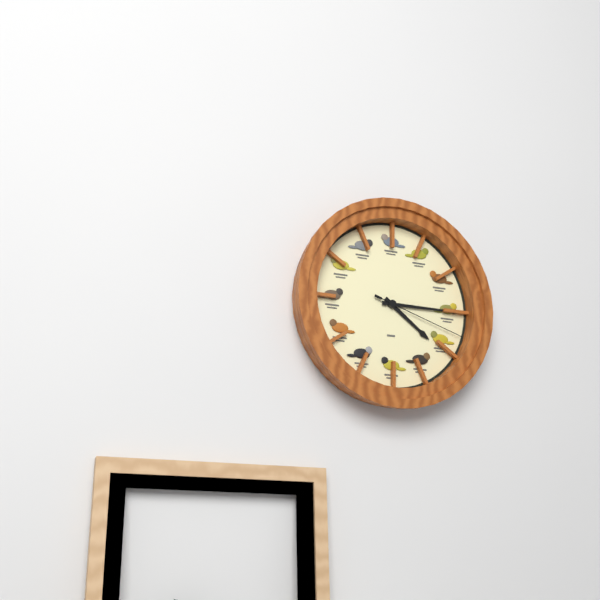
4 h 15 min 18 s
